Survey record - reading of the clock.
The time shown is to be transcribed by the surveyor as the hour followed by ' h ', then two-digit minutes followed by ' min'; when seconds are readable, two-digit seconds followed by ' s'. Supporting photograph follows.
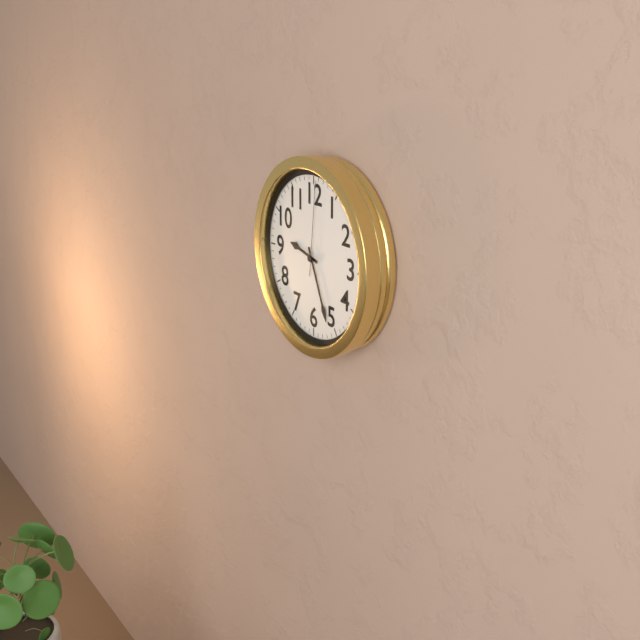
9 h 26 min 01 s
